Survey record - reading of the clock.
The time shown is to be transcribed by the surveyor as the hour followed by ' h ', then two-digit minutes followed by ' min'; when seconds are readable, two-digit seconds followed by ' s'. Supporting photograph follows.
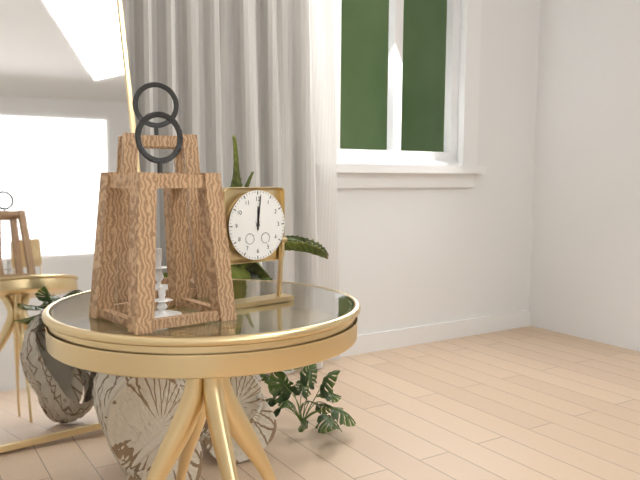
12 h 01 min
